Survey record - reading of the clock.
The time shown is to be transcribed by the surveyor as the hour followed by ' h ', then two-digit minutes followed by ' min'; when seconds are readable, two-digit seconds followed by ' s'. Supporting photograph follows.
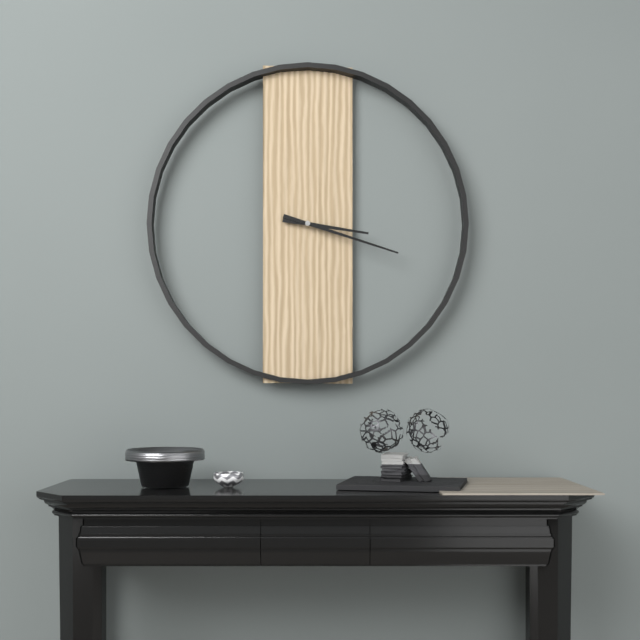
3 h 18 min
